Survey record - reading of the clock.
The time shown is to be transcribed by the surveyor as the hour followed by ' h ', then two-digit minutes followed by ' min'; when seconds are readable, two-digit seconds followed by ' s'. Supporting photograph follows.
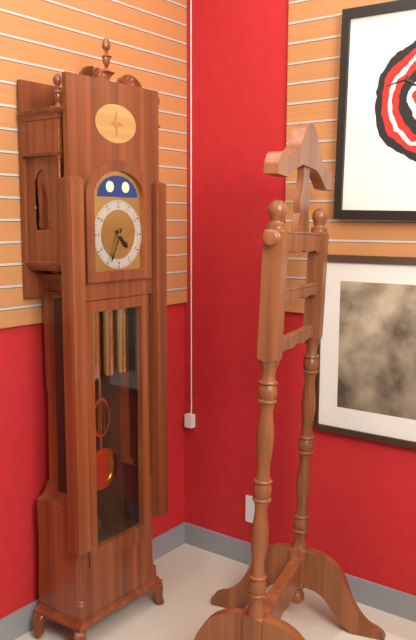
4 h 34 min
